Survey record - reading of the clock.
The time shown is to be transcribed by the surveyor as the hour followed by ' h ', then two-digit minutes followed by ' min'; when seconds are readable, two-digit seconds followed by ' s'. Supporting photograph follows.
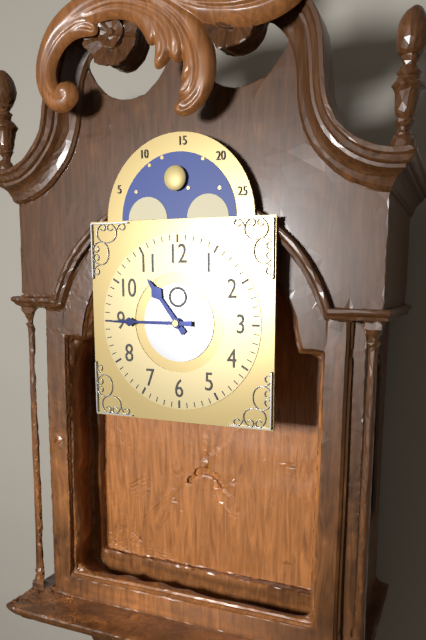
10 h 45 min
